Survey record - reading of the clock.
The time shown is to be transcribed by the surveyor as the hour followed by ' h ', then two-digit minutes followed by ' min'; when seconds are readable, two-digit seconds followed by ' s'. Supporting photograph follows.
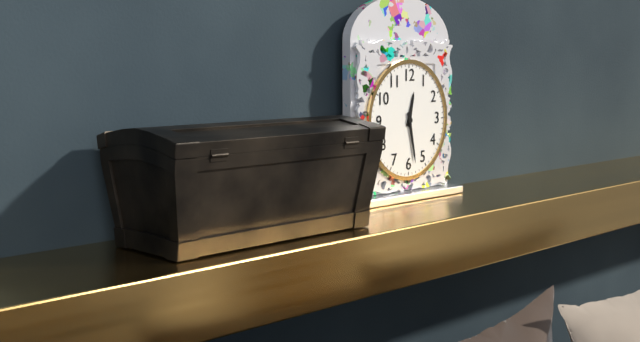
12 h 28 min
